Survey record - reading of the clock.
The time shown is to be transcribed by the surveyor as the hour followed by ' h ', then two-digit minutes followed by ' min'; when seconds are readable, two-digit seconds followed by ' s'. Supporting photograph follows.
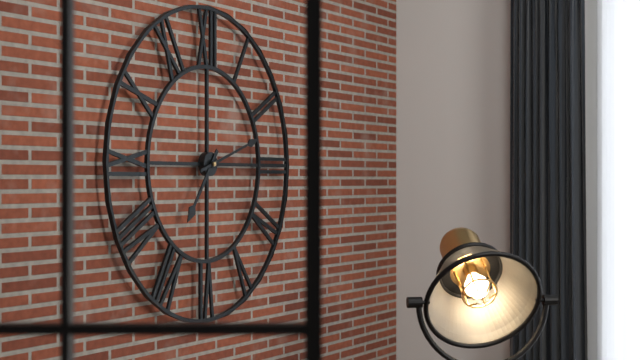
7 h 12 min
